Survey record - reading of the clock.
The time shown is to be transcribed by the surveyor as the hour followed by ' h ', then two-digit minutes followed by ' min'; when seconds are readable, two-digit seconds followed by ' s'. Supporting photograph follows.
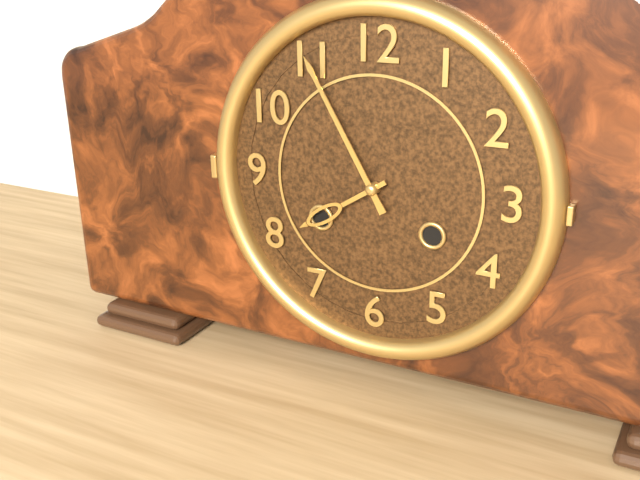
7 h 55 min
